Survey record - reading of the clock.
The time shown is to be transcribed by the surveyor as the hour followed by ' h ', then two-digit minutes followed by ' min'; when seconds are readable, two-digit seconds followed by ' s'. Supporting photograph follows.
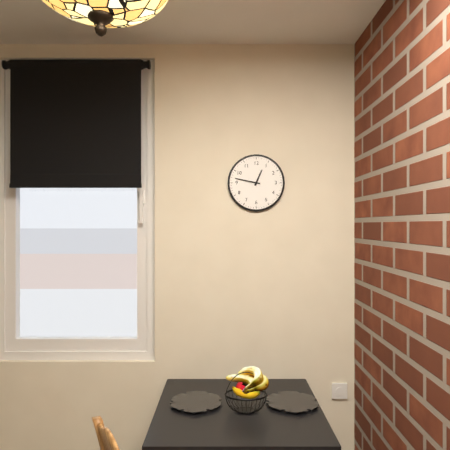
12 h 47 min
